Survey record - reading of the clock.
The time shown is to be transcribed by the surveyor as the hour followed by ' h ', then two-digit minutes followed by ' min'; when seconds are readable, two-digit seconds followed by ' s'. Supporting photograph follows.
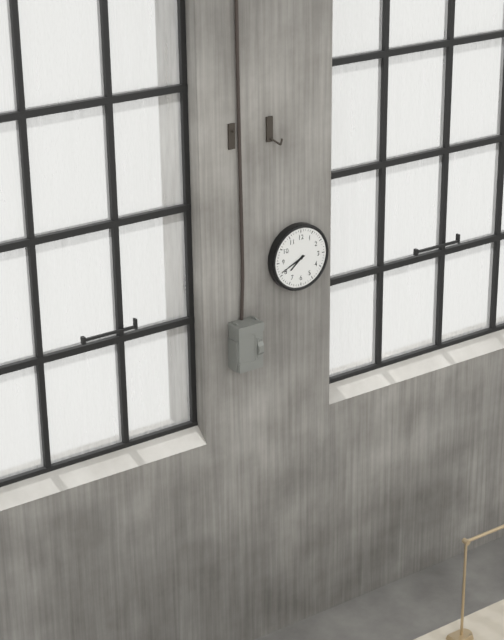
7 h 41 min
